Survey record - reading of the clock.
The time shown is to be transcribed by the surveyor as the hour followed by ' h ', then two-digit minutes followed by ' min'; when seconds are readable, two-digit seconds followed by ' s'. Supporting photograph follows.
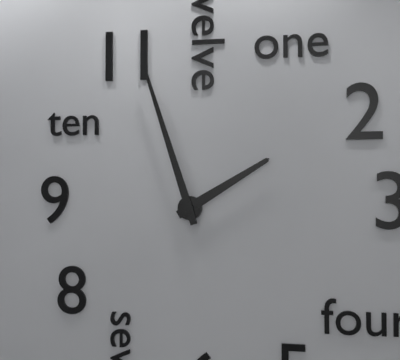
1 h 57 min
